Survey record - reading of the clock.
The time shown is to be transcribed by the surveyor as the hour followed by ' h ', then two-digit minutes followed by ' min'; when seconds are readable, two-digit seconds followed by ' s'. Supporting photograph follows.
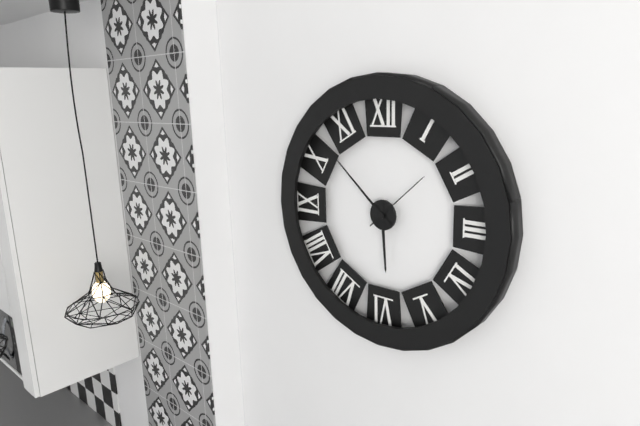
5 h 52 min 08 s
